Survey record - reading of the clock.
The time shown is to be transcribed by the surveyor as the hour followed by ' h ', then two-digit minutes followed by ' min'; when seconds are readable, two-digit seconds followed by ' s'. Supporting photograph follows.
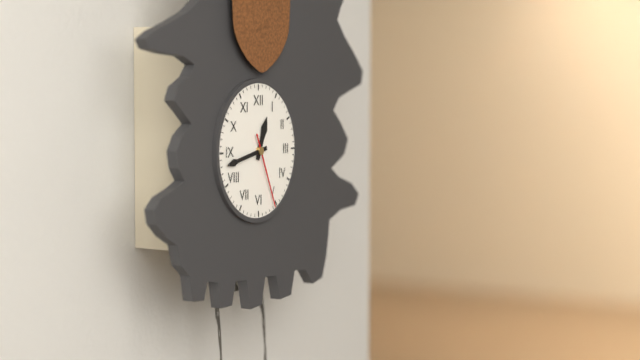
12 h 43 min 26 s
